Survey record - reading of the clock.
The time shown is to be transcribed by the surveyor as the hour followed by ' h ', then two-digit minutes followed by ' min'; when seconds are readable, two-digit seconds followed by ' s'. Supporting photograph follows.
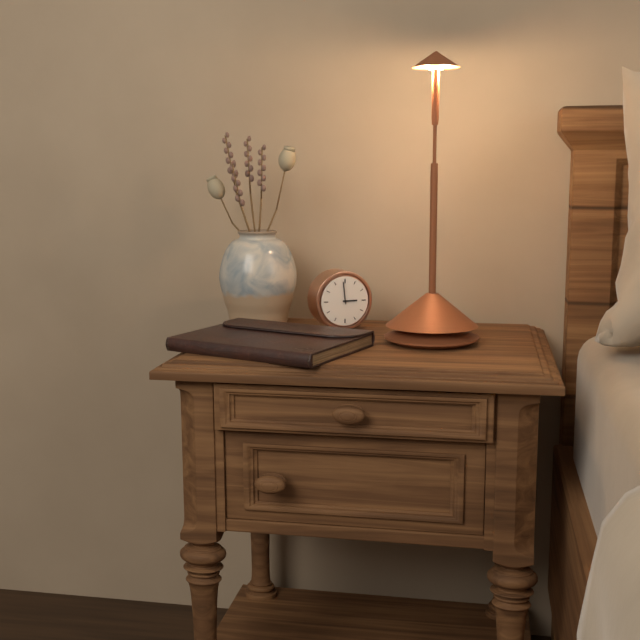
2 h 59 min
